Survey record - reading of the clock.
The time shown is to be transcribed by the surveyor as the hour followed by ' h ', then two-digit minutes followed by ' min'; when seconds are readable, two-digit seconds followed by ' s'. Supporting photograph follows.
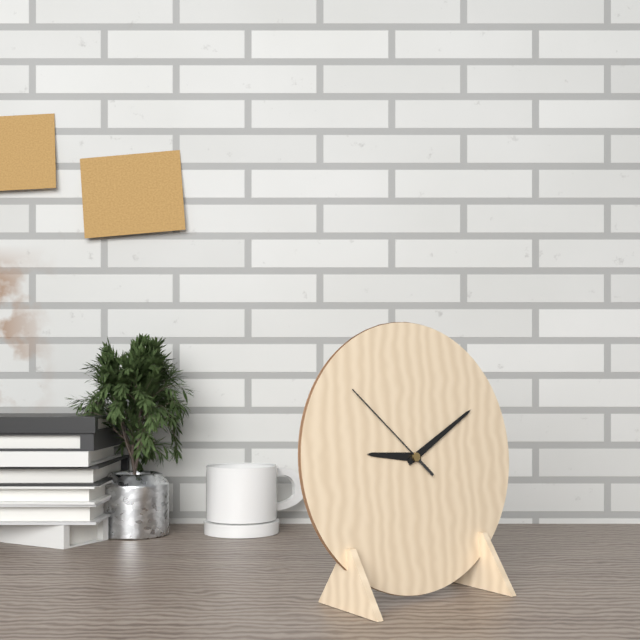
9 h 10 min 52 s
